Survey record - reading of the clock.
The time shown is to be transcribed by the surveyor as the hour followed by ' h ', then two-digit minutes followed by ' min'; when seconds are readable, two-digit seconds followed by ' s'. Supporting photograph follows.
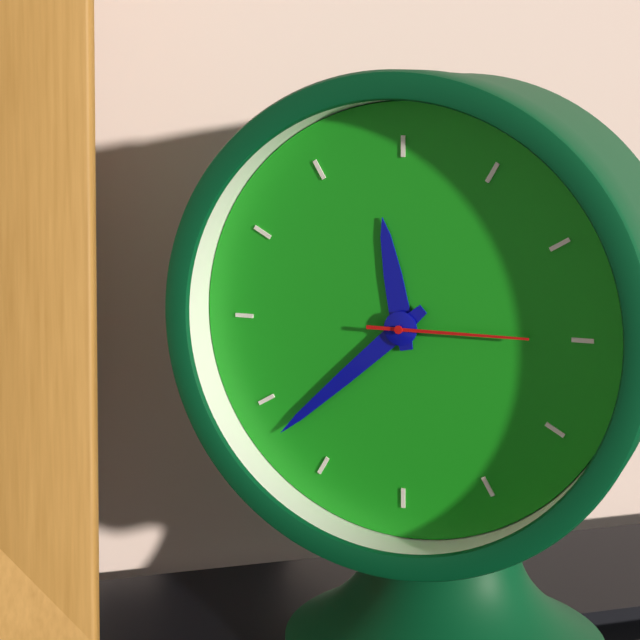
11 h 38 min 15 s
